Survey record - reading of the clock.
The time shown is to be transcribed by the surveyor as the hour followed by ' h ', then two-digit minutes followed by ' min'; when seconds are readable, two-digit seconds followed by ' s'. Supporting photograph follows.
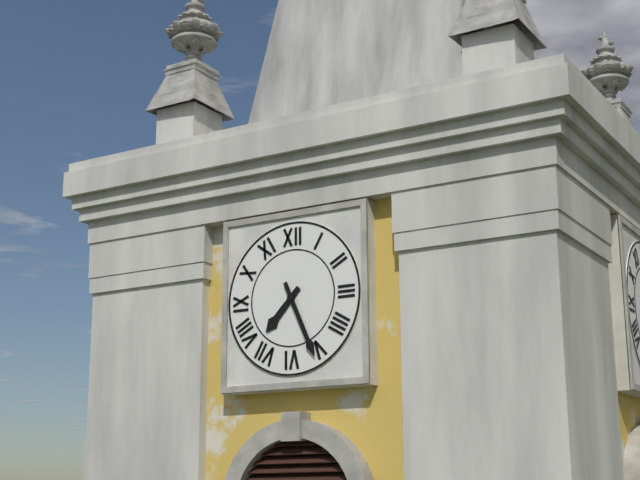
7 h 26 min
